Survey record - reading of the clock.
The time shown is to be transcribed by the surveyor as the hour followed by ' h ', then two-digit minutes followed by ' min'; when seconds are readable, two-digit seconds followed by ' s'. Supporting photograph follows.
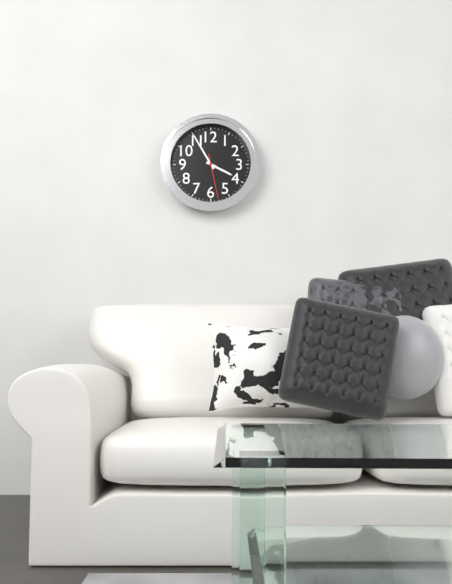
3 h 55 min
